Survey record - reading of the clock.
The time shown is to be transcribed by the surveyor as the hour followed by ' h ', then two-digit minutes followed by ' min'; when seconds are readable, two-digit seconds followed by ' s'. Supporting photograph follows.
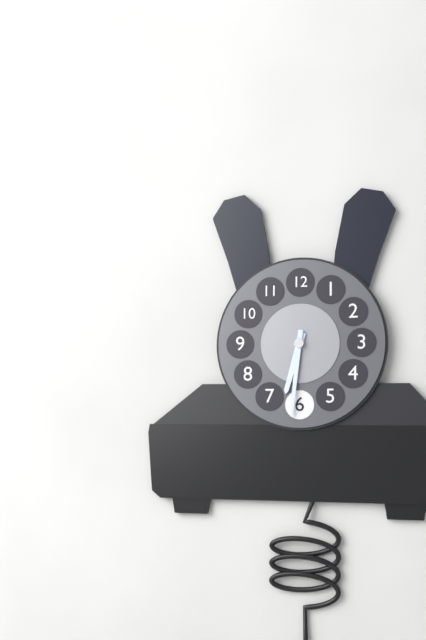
6 h 31 min
